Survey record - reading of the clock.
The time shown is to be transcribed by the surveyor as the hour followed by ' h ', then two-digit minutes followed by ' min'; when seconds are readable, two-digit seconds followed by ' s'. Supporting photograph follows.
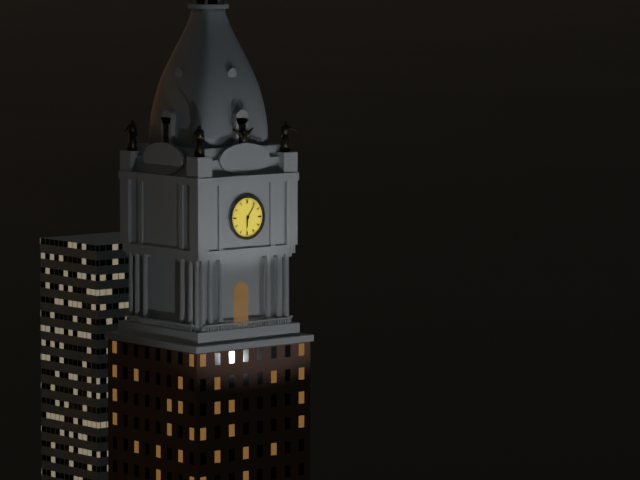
6 h 06 min
